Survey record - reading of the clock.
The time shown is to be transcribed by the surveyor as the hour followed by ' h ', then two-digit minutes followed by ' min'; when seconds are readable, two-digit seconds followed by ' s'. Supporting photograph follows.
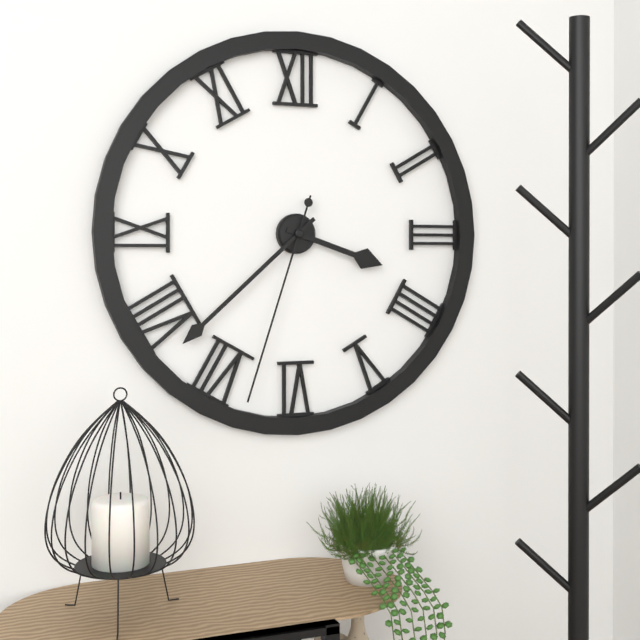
3 h 38 min 33 s
